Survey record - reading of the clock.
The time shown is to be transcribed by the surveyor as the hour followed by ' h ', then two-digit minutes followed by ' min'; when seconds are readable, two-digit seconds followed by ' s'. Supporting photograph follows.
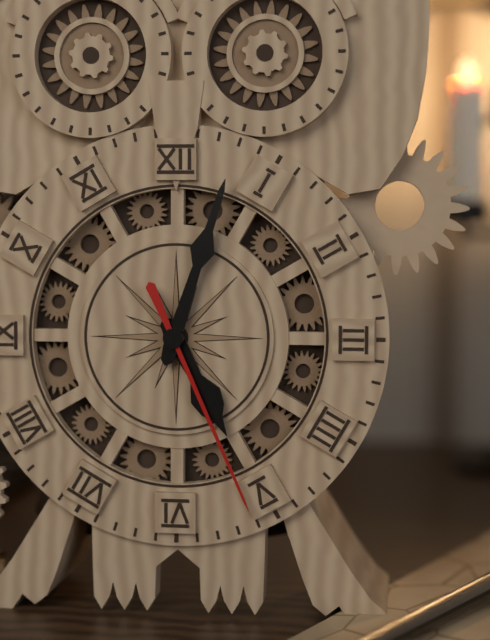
5 h 03 min 26 s
